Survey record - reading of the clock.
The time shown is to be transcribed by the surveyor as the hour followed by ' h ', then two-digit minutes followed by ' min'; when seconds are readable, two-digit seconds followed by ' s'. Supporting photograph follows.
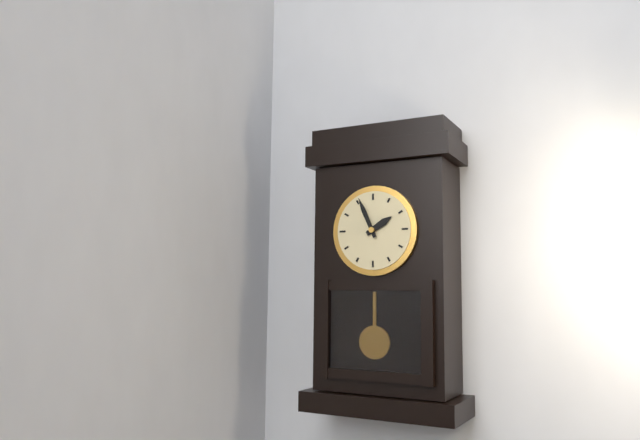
1 h 56 min
